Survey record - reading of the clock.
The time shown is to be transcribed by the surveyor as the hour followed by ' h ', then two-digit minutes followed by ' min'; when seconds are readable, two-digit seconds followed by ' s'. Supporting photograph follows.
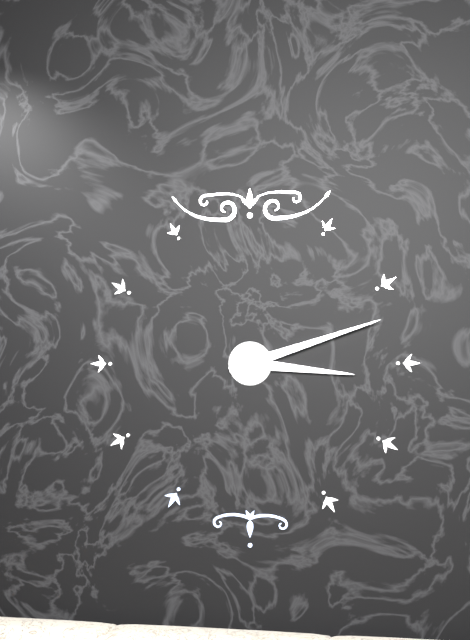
3 h 12 min
